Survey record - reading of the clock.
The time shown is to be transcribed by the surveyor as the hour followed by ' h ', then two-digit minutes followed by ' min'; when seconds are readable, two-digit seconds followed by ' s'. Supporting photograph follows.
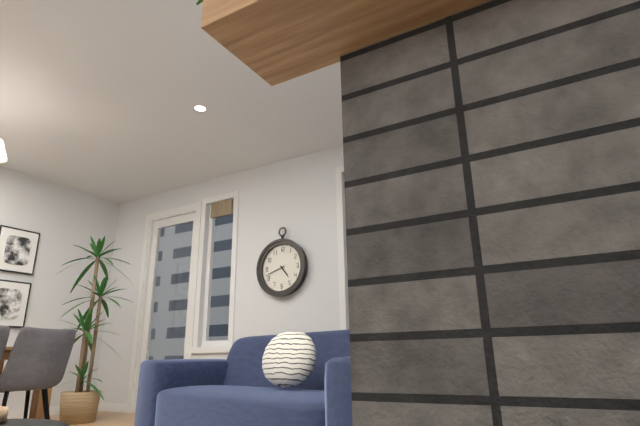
4 h 42 min
